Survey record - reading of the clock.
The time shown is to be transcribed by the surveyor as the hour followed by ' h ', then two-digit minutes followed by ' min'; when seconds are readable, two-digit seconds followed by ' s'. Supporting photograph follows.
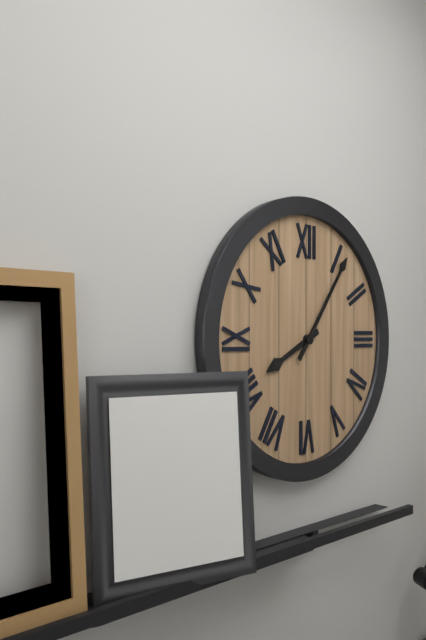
8 h 06 min
